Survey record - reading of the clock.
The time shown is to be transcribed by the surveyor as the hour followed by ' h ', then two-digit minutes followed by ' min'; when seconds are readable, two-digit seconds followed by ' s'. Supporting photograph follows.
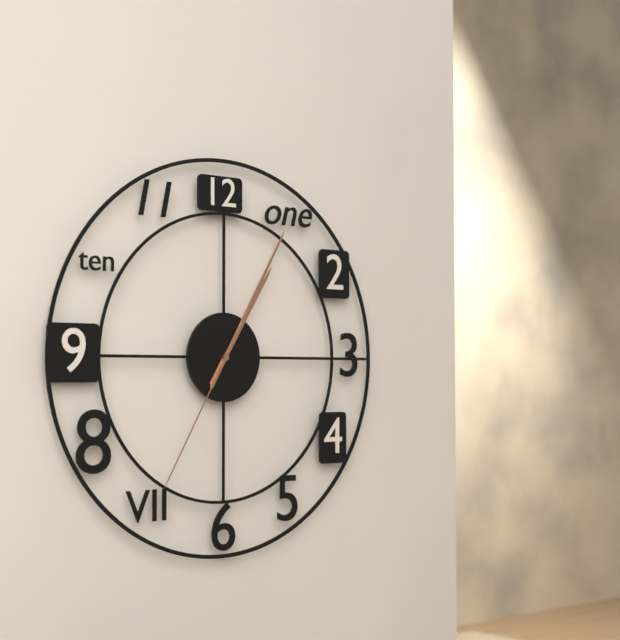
1 h 05 min 35 s
